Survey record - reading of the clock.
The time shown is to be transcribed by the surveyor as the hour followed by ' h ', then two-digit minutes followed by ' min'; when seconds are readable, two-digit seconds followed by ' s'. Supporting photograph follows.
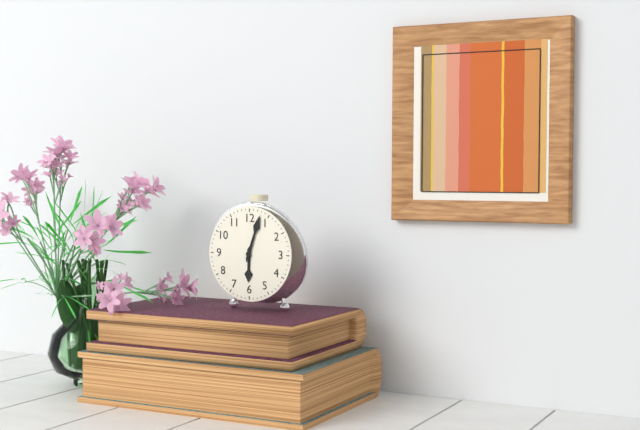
6 h 03 min
